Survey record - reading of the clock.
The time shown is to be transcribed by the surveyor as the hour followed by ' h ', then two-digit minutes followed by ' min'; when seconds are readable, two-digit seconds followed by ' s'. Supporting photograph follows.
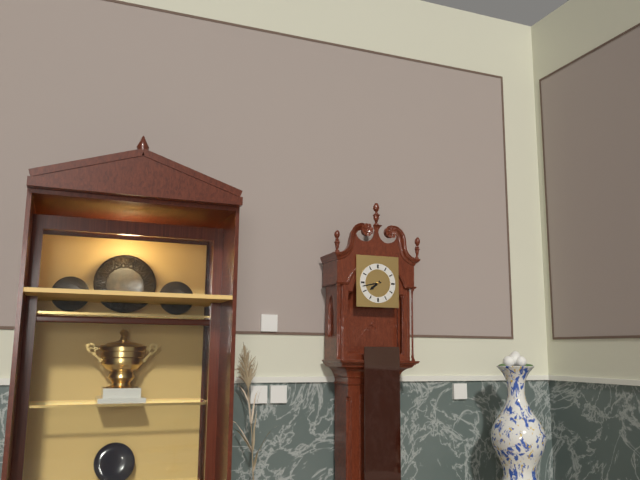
7 h 43 min
